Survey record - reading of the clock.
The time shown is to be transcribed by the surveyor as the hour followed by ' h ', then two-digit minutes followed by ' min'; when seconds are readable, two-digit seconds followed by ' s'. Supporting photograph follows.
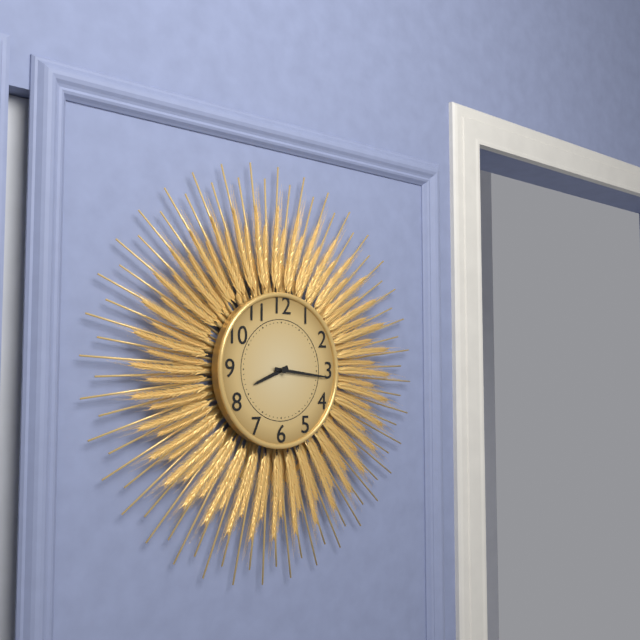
8 h 16 min
